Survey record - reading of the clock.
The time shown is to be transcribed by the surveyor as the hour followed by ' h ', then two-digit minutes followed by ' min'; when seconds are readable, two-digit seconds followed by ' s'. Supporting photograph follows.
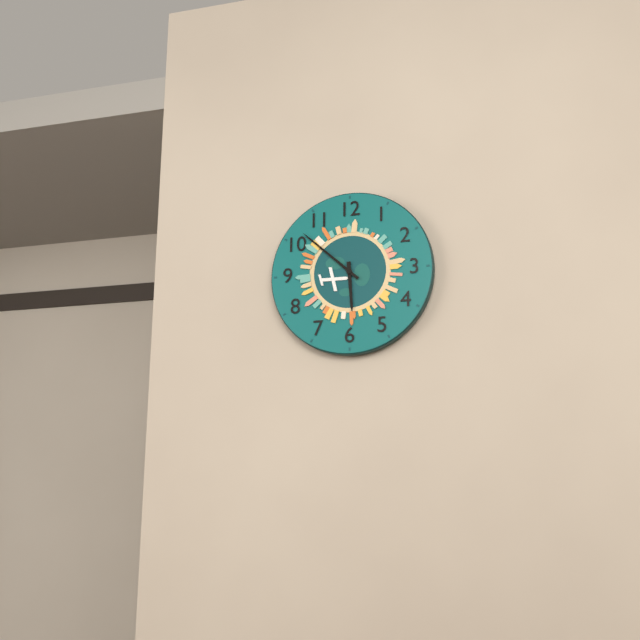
5 h 52 min
